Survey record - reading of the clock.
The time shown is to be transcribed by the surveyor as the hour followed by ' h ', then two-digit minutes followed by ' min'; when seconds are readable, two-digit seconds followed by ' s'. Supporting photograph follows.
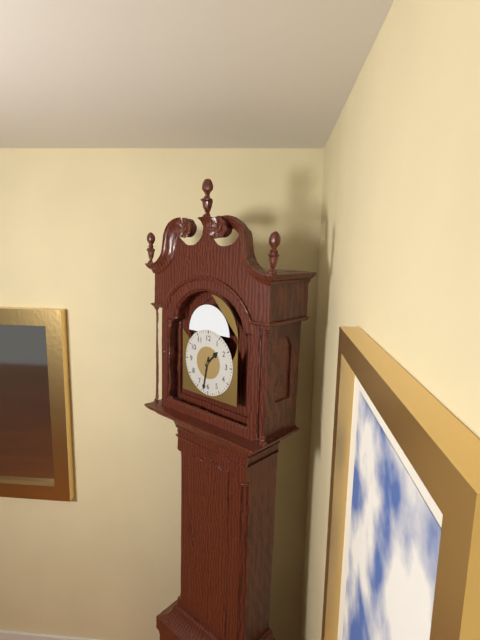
1 h 32 min
